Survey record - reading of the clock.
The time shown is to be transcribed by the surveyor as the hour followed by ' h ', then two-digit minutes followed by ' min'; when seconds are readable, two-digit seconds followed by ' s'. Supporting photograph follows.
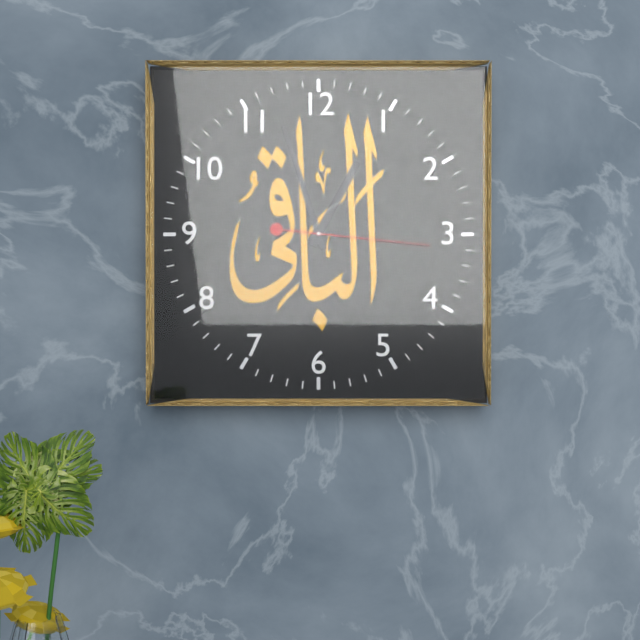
12 h 57 min 16 s
